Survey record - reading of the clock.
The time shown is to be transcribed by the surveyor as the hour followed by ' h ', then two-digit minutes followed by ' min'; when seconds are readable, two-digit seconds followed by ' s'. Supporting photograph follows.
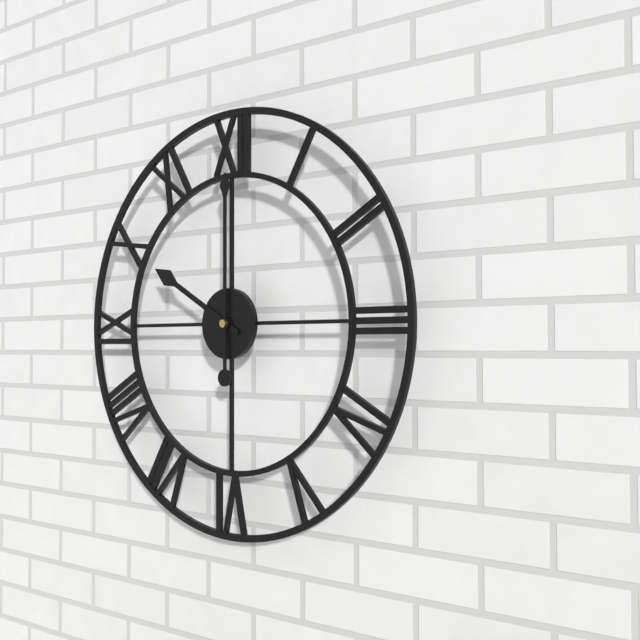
10 h 00 min
